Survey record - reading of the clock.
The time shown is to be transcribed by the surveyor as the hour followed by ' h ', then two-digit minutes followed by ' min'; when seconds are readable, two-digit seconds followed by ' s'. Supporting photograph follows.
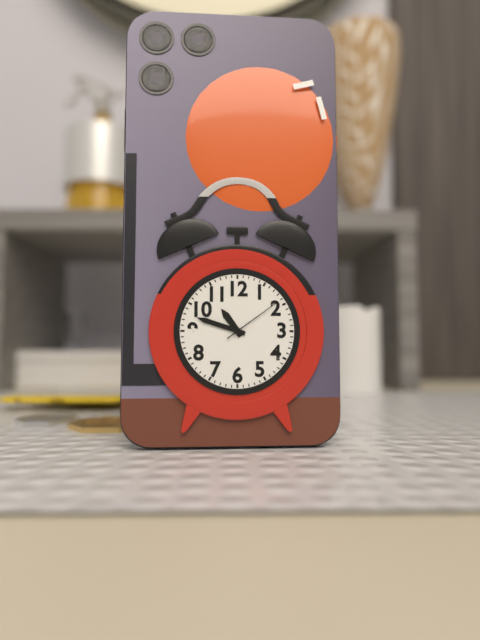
10 h 48 min 09 s
